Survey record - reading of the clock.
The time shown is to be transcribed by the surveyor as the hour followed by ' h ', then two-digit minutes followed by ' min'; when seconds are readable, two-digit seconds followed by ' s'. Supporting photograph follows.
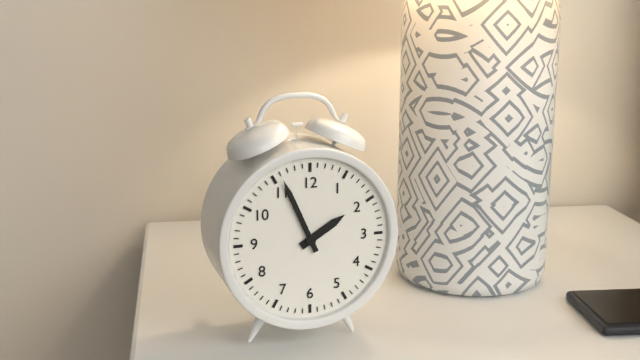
1 h 56 min
